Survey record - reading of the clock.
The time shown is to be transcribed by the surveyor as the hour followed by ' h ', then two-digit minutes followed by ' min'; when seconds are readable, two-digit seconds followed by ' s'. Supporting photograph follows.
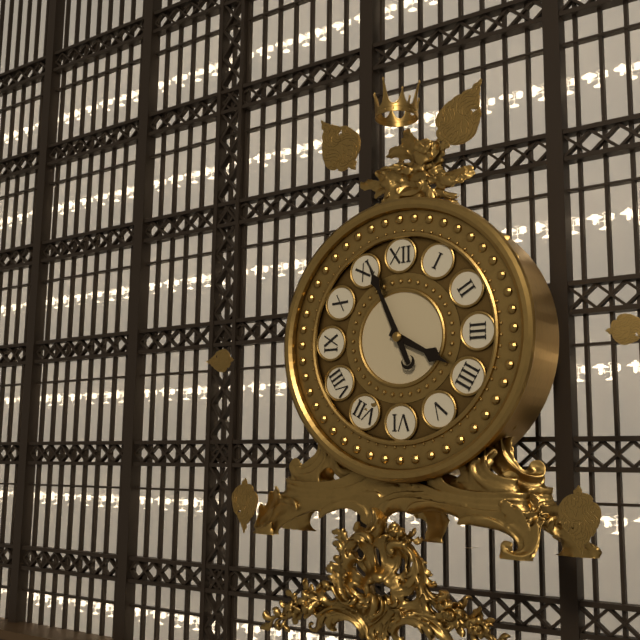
3 h 56 min
